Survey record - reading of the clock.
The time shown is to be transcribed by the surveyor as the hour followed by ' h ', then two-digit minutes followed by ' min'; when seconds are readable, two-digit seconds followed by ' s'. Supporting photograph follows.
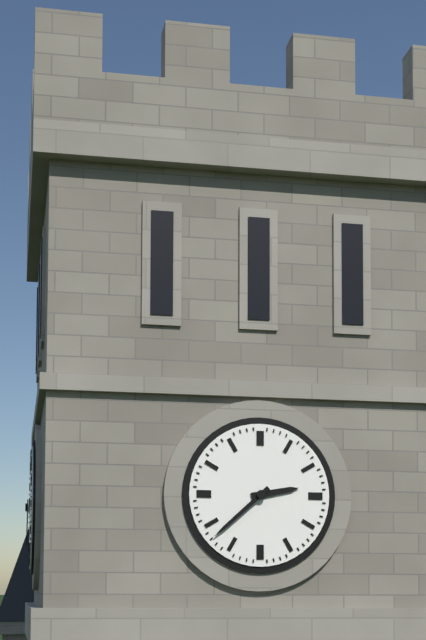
2 h 38 min
